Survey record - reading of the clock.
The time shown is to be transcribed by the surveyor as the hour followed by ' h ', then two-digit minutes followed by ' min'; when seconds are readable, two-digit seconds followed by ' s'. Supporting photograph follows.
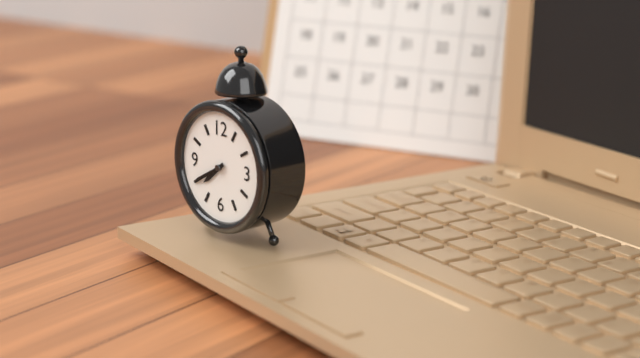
7 h 40 min 40 s
